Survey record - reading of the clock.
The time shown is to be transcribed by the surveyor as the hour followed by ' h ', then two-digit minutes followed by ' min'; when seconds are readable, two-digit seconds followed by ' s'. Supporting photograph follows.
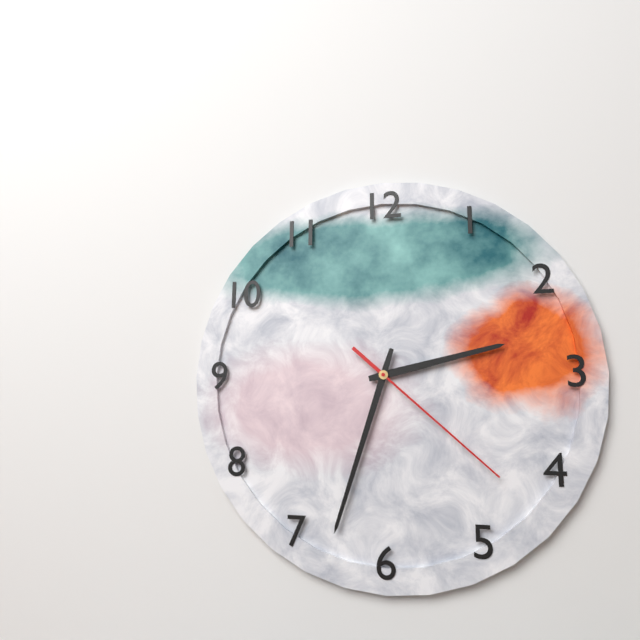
2 h 33 min 22 s
